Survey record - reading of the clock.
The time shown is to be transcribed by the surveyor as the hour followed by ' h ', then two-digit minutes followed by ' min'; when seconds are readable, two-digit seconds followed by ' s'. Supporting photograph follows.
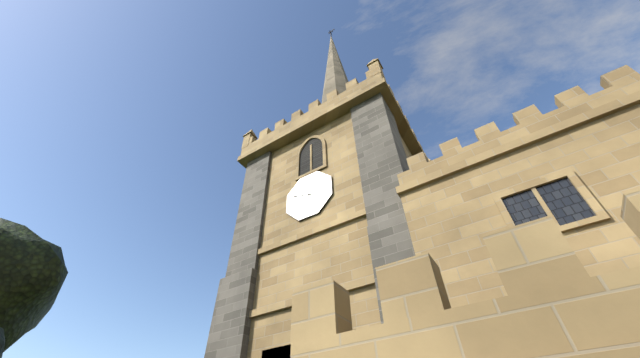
2 h 48 min
